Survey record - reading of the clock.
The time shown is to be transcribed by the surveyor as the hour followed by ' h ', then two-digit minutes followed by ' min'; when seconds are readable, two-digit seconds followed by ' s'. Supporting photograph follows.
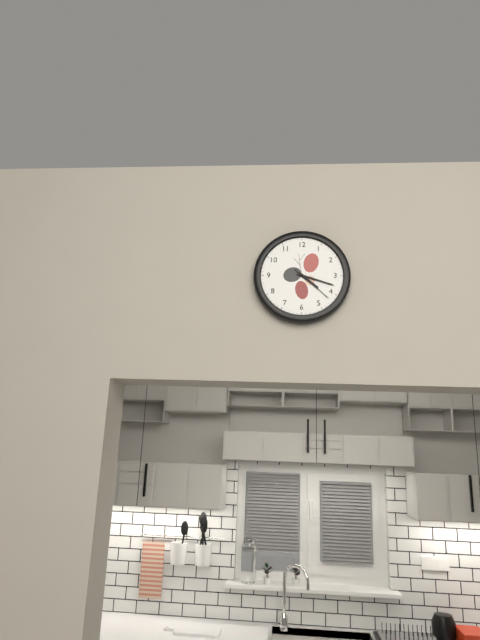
4 h 18 min
